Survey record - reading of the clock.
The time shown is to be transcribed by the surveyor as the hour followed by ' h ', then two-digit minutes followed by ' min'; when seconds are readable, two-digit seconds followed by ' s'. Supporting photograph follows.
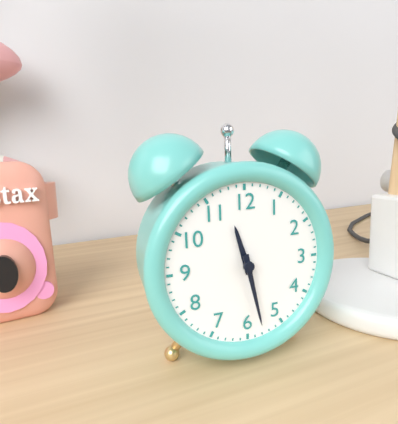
11 h 28 min
